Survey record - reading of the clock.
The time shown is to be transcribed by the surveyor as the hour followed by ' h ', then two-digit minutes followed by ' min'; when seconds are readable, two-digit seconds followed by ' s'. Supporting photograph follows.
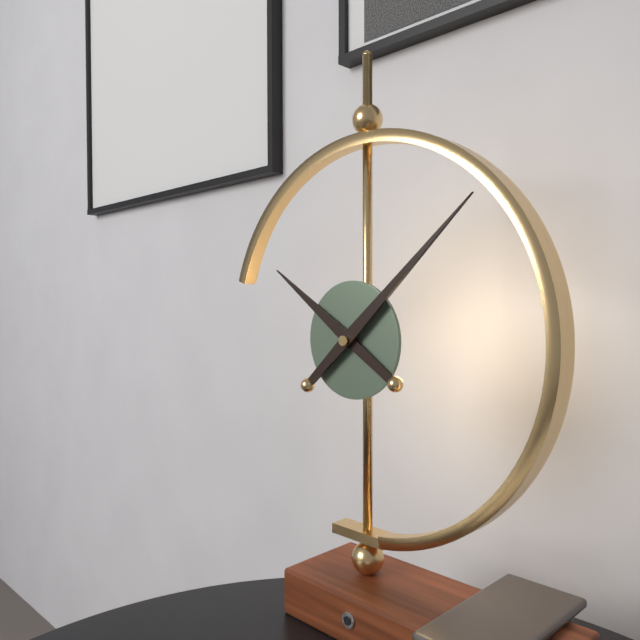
10 h 08 min
